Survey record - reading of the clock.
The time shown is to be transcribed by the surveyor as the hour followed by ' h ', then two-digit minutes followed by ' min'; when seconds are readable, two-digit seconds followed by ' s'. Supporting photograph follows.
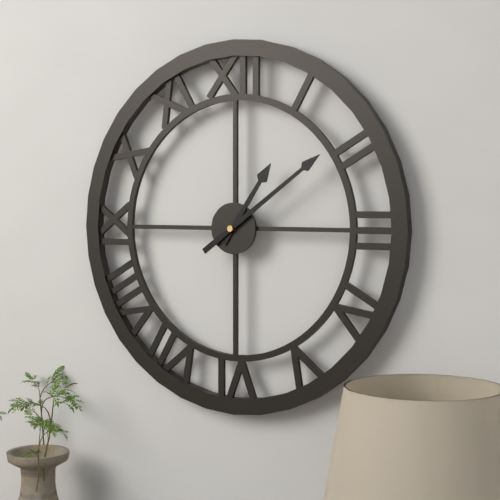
1 h 09 min
